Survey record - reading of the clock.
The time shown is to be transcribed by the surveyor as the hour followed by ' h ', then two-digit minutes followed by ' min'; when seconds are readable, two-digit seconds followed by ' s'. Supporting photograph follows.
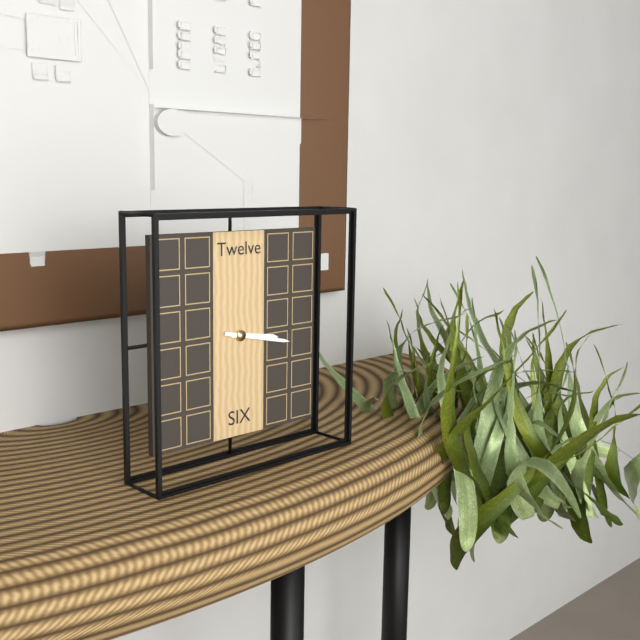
3 h 17 min
